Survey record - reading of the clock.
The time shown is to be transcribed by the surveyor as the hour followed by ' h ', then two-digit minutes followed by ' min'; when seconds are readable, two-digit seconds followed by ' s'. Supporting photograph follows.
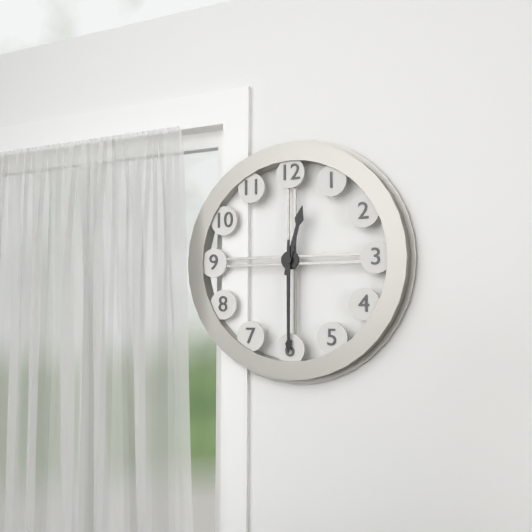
12 h 30 min
